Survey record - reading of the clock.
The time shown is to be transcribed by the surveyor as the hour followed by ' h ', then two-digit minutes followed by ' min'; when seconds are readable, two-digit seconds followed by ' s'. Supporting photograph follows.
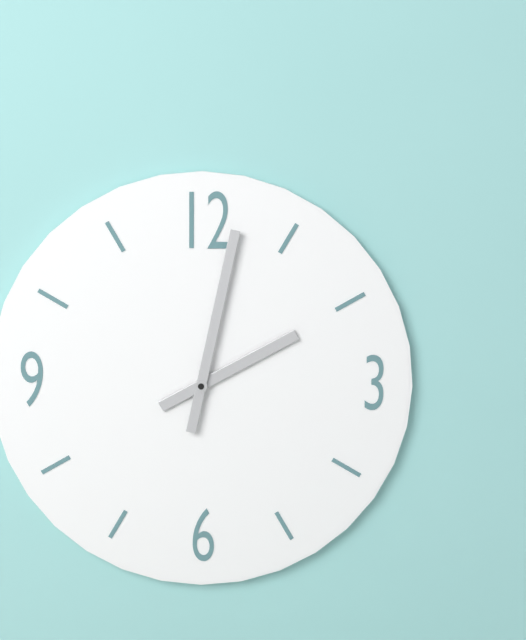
2 h 02 min
